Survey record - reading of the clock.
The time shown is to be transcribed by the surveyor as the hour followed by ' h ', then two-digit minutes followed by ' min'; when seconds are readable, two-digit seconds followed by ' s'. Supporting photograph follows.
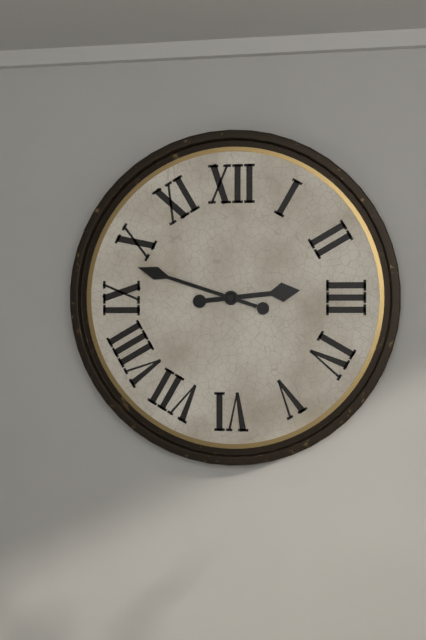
2 h 48 min
